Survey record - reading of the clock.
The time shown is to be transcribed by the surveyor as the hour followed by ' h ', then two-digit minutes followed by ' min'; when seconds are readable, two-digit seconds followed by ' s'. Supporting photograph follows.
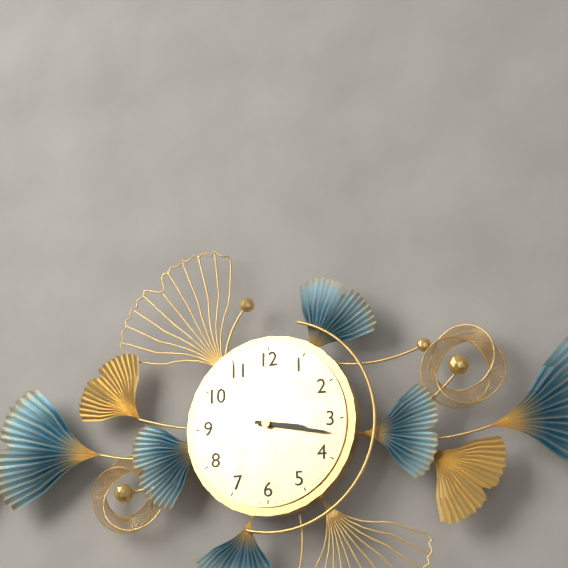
3 h 17 min
